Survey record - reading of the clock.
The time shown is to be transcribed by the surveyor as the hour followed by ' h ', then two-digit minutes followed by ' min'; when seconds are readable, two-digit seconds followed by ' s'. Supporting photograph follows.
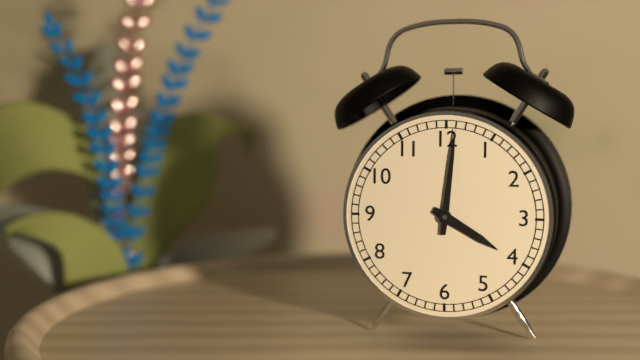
4 h 01 min
